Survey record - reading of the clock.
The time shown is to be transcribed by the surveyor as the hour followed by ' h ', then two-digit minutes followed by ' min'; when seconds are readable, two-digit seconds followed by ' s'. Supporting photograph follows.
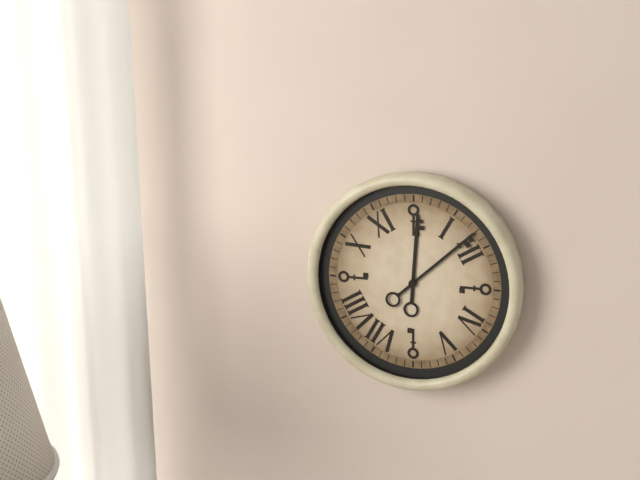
12 h 08 min
